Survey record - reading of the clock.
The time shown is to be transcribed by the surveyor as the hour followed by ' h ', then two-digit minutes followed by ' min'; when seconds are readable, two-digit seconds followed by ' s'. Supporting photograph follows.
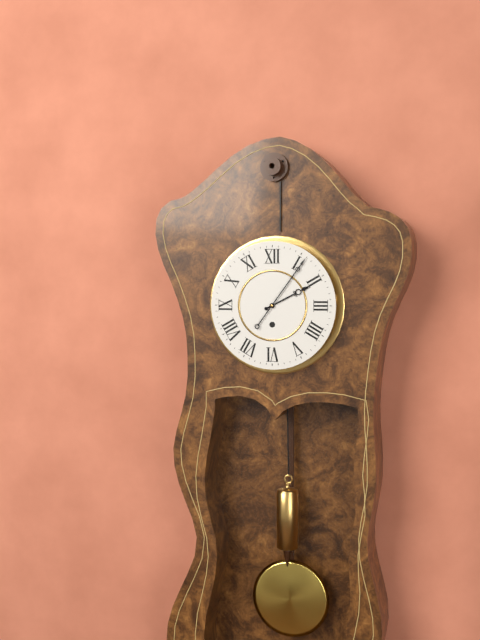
2 h 06 min
